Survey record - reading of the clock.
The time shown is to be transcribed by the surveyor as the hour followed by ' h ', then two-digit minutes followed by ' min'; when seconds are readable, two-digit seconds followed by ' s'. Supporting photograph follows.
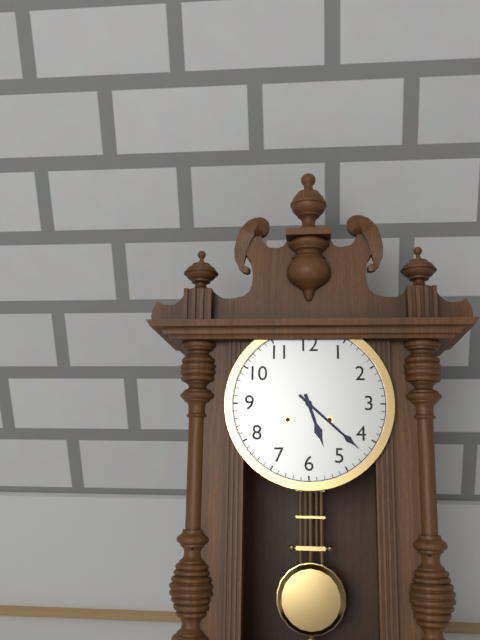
5 h 22 min
